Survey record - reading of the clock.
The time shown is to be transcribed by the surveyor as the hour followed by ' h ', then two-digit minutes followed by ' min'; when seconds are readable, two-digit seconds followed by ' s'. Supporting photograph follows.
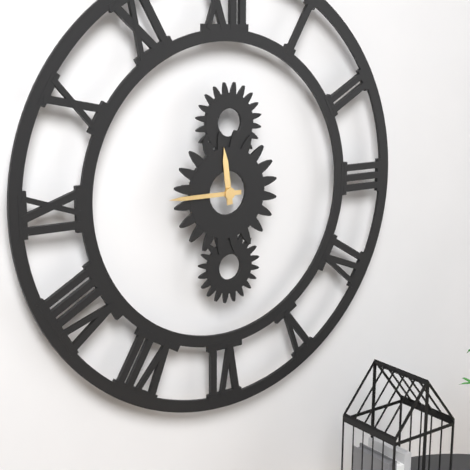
11 h 45 min
